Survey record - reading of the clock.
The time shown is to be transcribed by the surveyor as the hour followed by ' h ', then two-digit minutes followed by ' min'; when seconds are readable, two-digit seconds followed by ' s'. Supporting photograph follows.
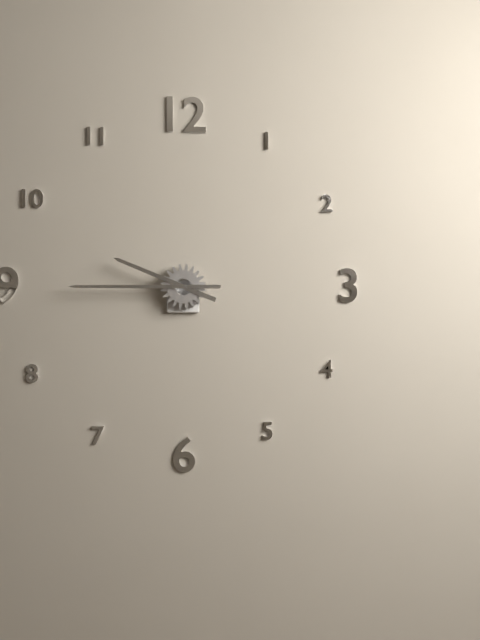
9 h 45 min
